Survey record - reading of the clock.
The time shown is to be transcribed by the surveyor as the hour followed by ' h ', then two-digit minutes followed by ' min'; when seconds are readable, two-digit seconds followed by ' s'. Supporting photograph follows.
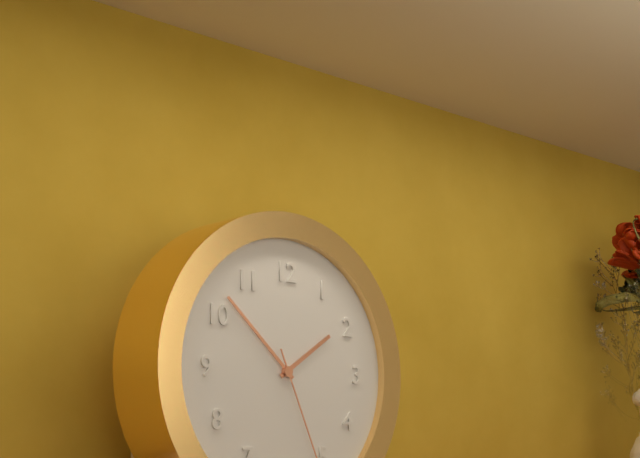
1 h 52 min
